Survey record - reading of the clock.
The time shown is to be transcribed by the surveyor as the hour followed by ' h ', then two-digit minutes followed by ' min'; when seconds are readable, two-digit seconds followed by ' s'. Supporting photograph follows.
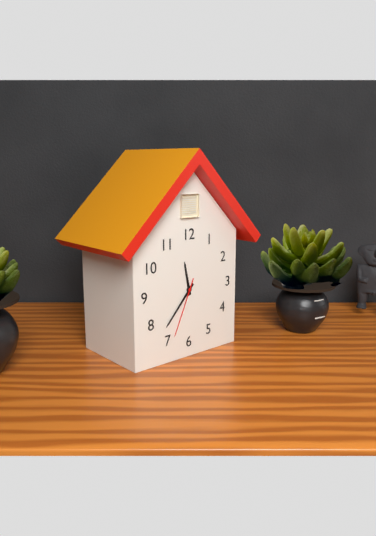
11 h 37 min 34 s
